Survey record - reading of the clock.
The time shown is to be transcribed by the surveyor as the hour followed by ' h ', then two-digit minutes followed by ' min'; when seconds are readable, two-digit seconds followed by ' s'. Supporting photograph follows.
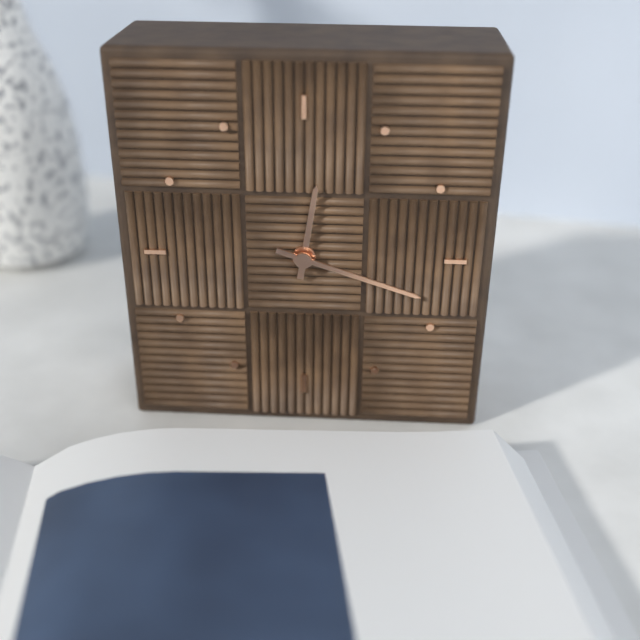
12 h 18 min
